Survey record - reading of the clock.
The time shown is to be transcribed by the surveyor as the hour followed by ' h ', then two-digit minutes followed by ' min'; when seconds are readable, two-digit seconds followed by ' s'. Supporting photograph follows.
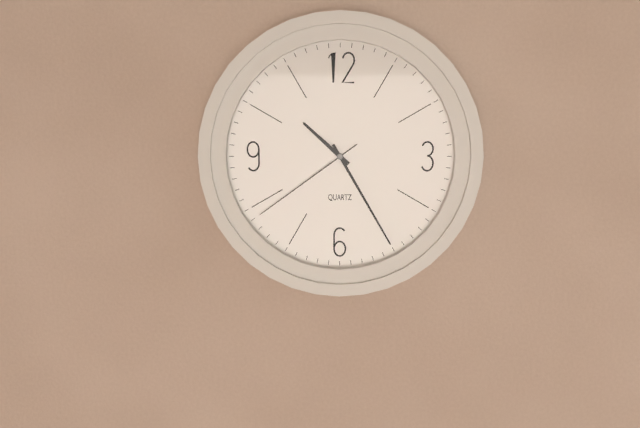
10 h 25 min 39 s
